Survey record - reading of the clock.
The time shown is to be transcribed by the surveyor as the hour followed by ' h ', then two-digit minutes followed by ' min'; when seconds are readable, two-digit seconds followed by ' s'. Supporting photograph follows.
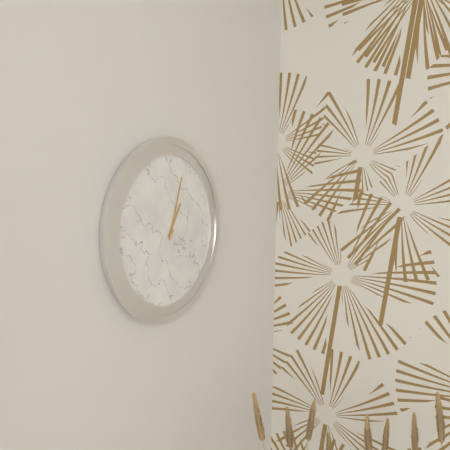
1 h 03 min
